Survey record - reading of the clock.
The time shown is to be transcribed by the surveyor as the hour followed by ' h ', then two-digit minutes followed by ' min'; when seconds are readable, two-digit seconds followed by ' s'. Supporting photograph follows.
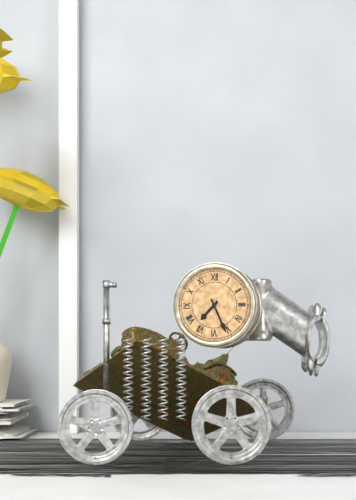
7 h 26 min
